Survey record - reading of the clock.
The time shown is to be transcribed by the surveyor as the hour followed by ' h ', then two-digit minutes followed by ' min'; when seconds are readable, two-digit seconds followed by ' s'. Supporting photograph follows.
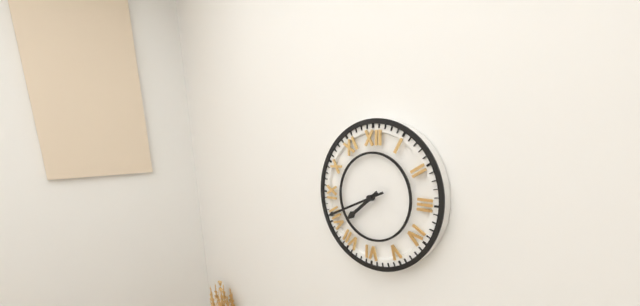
7 h 41 min
